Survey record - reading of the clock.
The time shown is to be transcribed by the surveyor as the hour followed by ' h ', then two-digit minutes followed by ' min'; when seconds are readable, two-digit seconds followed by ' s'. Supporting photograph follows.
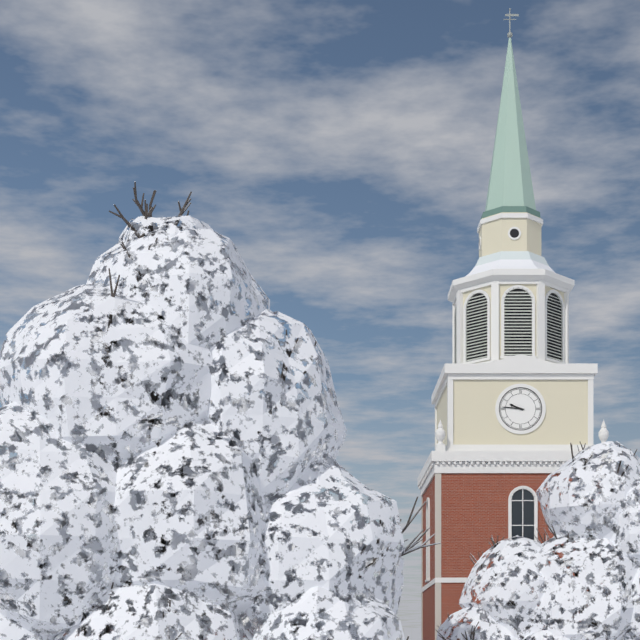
9 h 46 min
